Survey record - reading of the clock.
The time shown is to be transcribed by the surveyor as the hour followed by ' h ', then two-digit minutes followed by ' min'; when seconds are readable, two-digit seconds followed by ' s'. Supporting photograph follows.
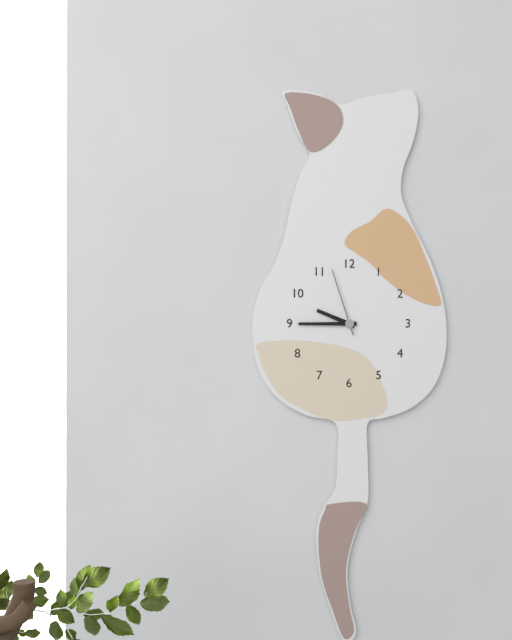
9 h 45 min 57 s
